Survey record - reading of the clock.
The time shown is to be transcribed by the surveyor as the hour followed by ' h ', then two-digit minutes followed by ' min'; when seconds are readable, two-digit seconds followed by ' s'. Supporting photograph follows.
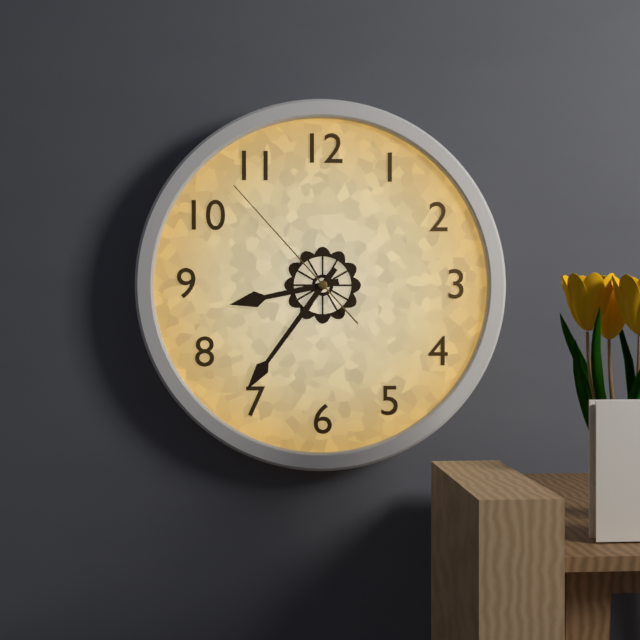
8 h 36 min 53 s
